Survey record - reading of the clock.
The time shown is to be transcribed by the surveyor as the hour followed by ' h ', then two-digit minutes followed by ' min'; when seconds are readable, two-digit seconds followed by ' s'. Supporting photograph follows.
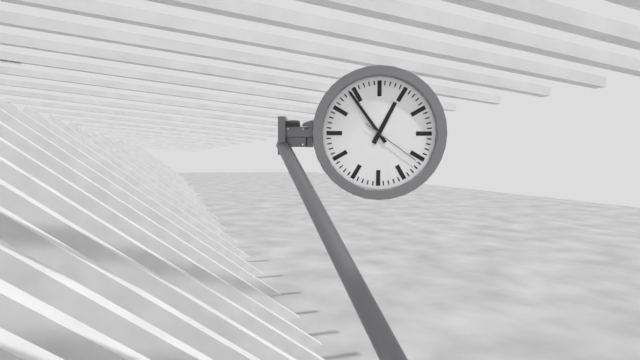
12 h 54 min 21 s
